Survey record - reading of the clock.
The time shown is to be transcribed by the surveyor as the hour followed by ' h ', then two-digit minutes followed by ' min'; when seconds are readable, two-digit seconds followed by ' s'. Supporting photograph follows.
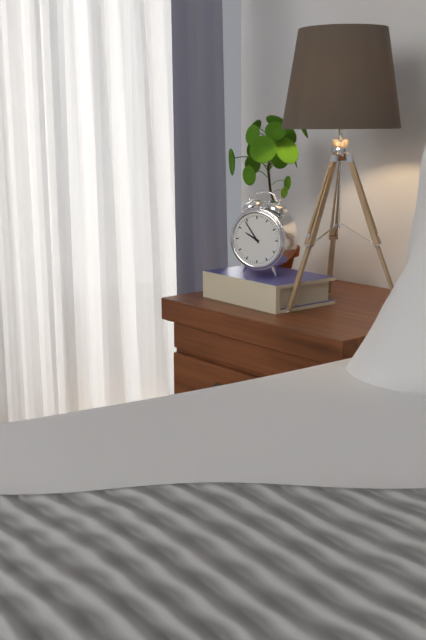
9 h 54 min
